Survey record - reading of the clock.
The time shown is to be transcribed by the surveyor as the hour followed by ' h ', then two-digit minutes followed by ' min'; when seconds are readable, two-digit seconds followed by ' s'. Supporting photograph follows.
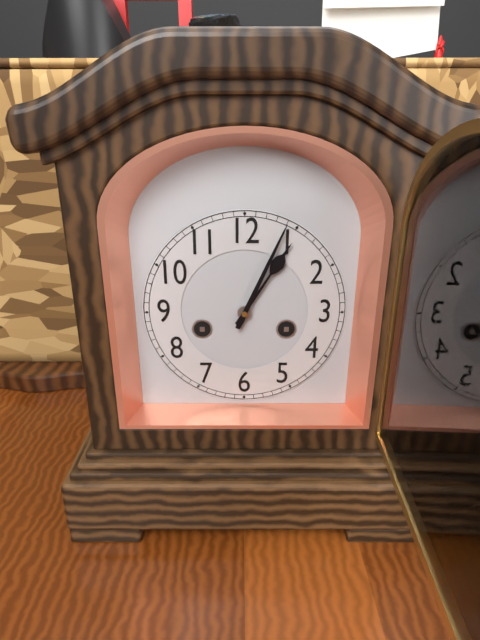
1 h 04 min
